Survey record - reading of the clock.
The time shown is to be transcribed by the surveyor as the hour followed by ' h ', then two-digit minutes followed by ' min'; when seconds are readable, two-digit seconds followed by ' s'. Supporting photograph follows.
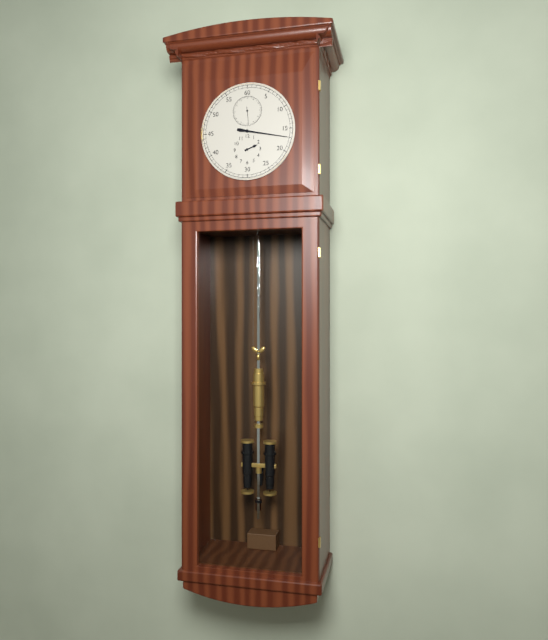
2 h 17 min
